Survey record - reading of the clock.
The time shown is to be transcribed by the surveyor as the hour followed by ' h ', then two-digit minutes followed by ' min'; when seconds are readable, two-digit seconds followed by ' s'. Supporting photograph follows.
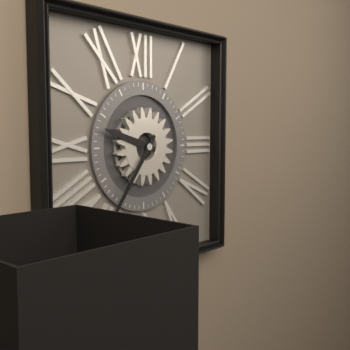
9 h 36 min
